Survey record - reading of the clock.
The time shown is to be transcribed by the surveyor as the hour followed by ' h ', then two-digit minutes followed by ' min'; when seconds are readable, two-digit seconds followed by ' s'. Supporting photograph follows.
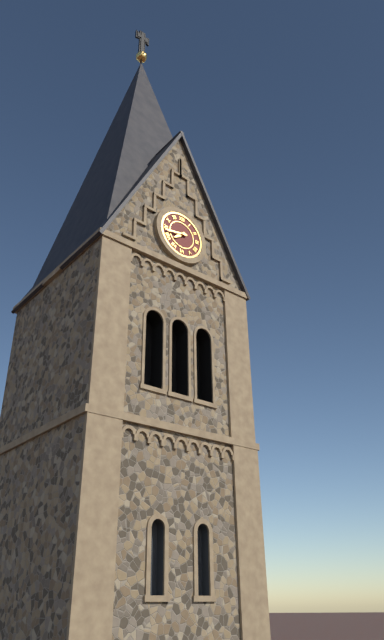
7 h 43 min
